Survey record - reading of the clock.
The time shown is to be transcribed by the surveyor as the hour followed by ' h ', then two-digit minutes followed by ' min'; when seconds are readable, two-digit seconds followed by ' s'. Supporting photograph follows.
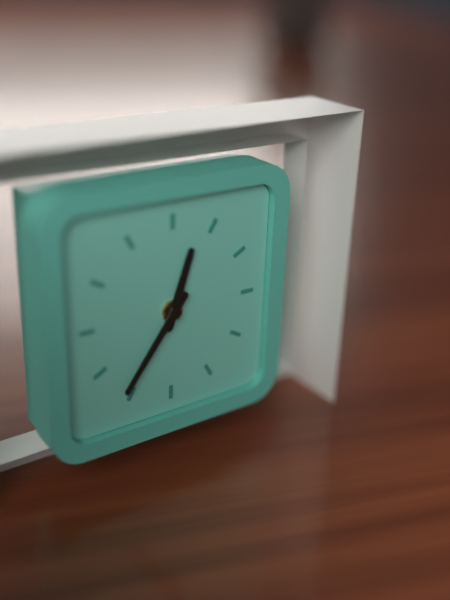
12 h 36 min
